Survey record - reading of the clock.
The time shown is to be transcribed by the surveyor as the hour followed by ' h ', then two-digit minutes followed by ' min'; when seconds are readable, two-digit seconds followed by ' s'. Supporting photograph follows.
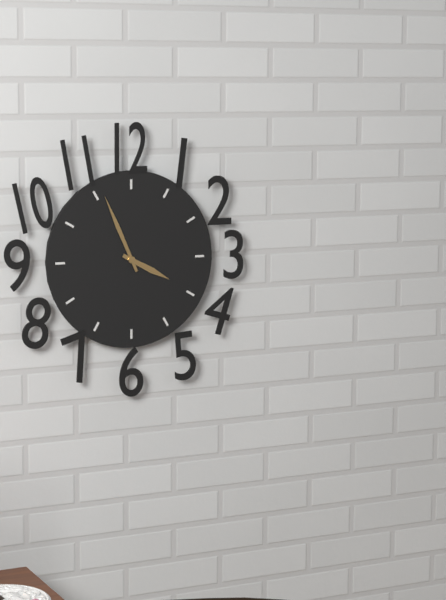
3 h 56 min
